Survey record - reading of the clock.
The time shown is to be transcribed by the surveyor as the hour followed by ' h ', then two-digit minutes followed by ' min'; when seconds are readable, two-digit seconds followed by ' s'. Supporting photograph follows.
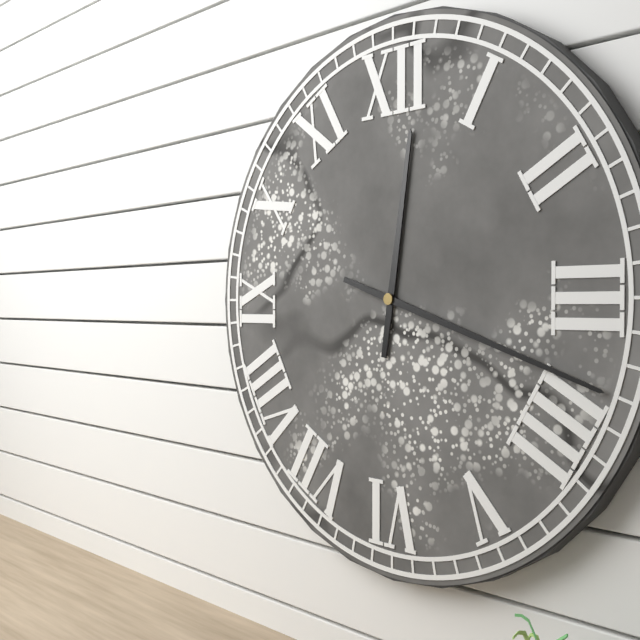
12 h 18 min
